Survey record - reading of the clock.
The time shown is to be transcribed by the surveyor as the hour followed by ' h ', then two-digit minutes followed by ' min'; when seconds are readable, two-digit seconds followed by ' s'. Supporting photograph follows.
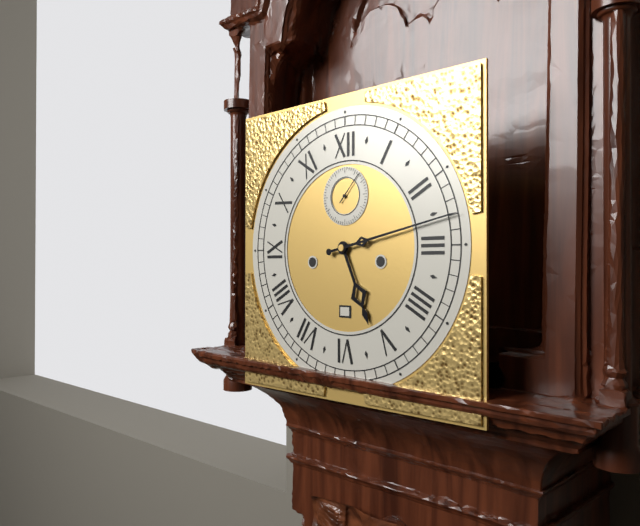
5 h 13 min
